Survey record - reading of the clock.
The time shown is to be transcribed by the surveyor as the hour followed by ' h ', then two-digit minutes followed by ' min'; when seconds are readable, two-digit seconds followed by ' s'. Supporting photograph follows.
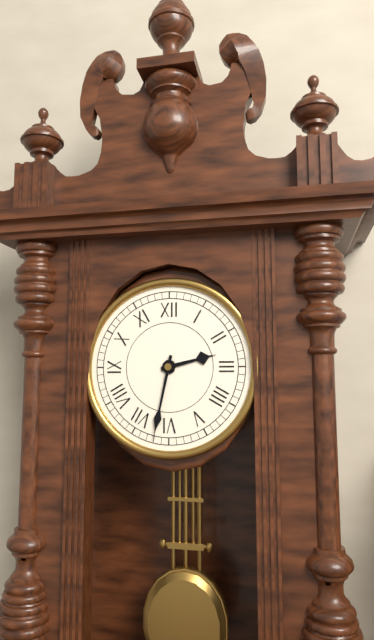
2 h 32 min
